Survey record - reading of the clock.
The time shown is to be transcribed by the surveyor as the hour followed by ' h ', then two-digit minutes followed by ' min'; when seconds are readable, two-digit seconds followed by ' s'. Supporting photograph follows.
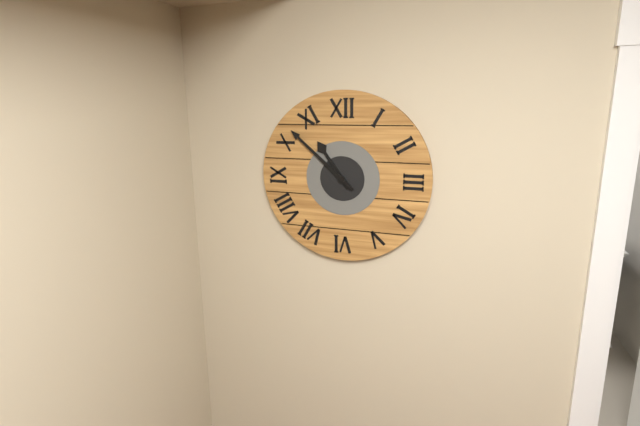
10 h 52 min
